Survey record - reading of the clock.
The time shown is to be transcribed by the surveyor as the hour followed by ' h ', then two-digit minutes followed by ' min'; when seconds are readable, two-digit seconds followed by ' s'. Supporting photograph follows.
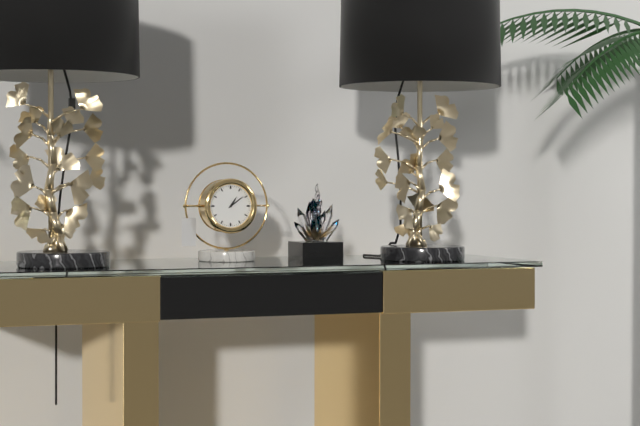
1 h 09 min
